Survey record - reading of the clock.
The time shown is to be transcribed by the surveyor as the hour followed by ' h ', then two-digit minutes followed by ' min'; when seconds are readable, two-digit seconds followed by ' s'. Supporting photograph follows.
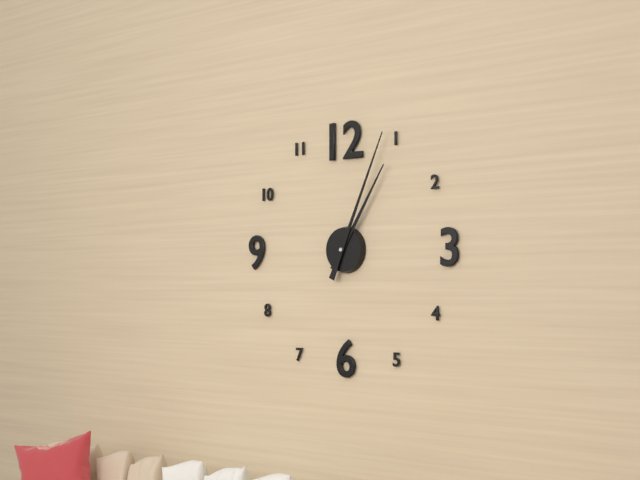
1 h 04 min
